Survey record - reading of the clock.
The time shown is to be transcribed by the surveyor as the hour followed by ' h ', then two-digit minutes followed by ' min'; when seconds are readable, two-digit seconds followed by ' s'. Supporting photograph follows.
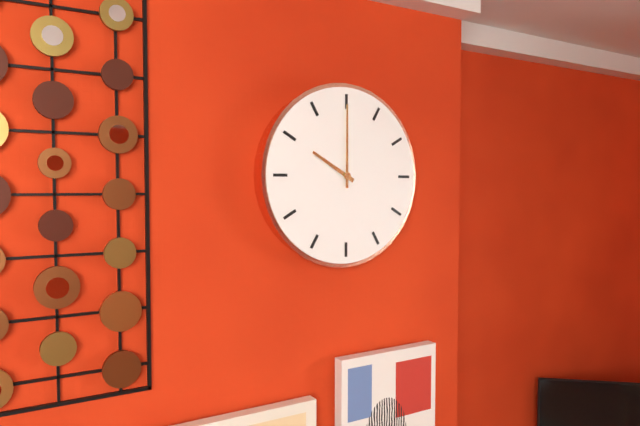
10 h 00 min
